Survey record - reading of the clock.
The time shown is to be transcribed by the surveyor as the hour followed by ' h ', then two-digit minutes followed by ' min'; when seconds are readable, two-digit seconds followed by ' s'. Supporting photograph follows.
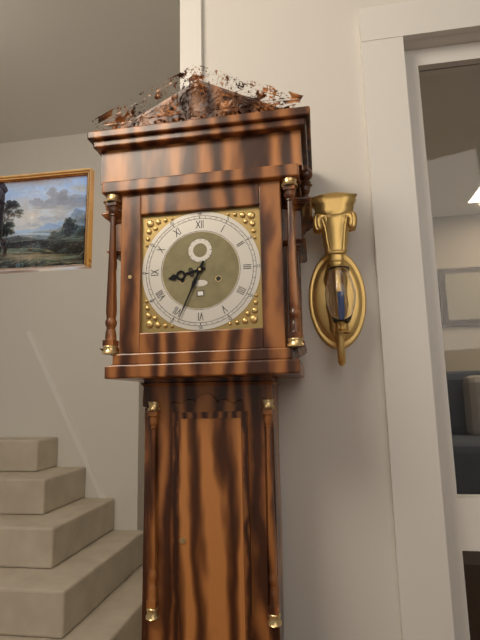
8 h 34 min
